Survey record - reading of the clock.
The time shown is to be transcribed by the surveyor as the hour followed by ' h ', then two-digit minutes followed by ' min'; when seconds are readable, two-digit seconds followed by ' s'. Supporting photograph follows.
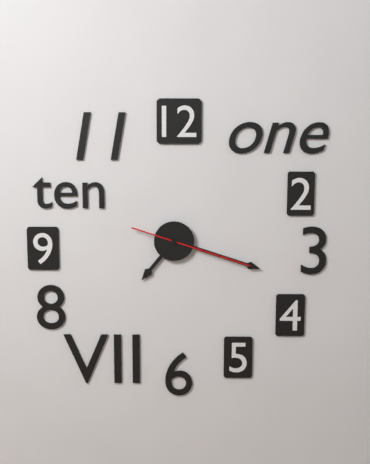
7 h 18 min 18 s
